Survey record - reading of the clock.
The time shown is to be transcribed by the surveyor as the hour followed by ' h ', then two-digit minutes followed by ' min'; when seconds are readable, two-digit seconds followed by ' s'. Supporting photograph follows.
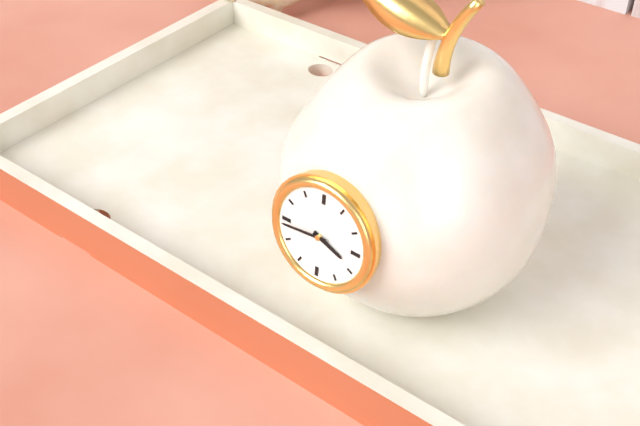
3 h 44 min
